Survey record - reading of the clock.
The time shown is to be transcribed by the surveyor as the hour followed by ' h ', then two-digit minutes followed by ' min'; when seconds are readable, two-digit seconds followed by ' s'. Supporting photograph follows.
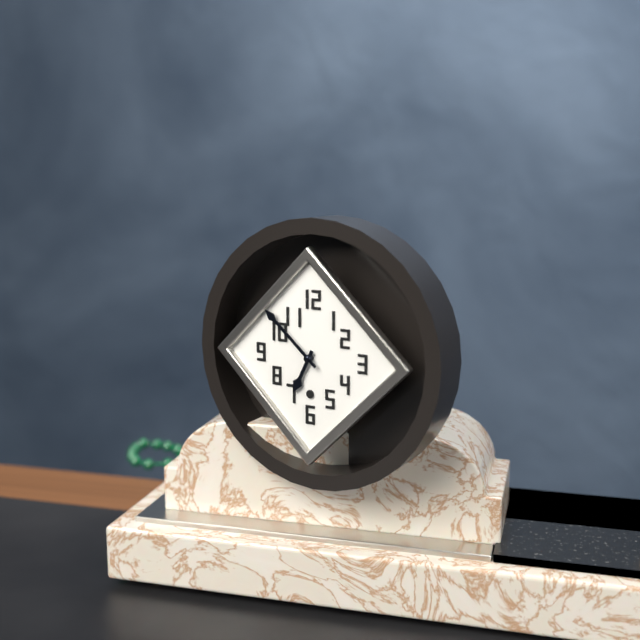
6 h 52 min
